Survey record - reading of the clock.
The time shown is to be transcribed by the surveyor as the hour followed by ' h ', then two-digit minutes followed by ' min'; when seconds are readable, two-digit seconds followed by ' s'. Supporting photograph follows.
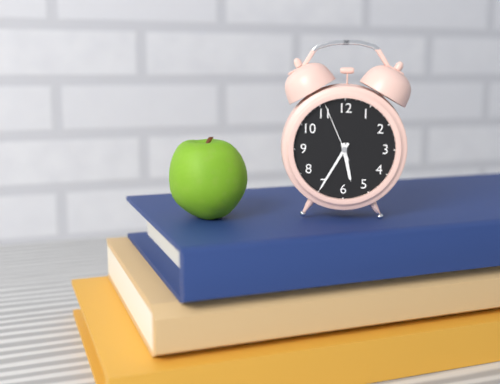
5 h 35 min 56 s
